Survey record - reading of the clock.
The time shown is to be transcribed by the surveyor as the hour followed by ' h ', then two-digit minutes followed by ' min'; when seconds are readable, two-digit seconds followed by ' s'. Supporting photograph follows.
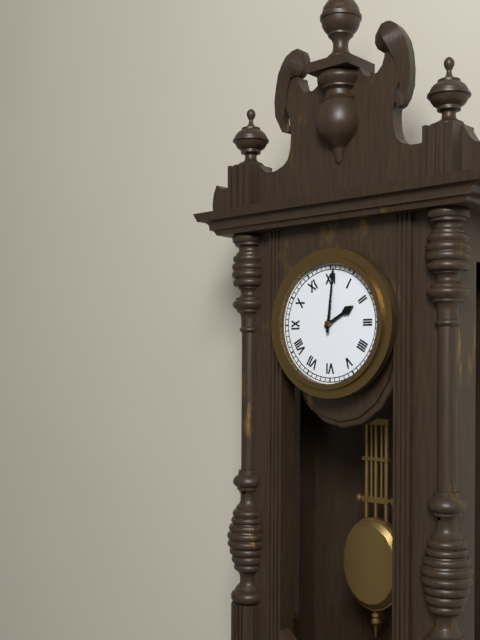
2 h 01 min
